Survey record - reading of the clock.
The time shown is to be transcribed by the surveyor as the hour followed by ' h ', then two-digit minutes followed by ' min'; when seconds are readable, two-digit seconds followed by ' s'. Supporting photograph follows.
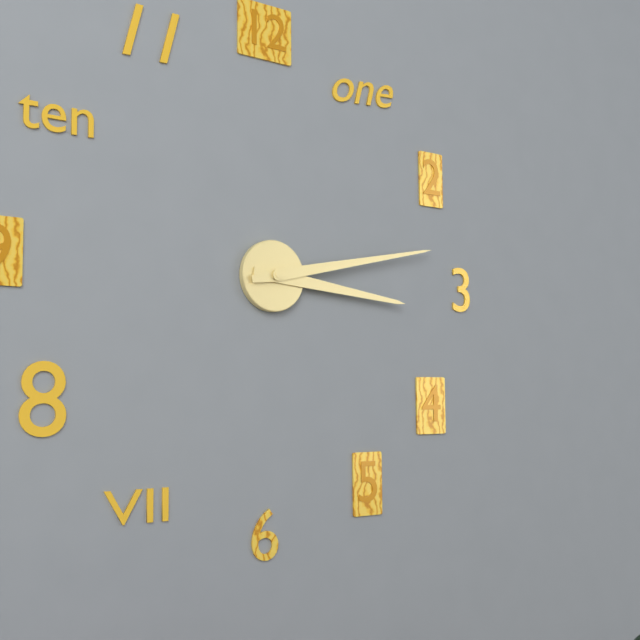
3 h 13 min
